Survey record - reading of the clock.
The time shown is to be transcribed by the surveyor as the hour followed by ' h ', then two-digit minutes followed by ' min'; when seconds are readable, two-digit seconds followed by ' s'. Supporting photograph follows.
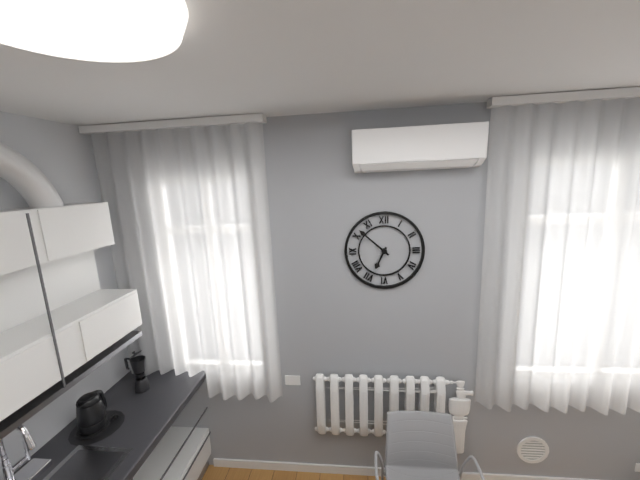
6 h 52 min
